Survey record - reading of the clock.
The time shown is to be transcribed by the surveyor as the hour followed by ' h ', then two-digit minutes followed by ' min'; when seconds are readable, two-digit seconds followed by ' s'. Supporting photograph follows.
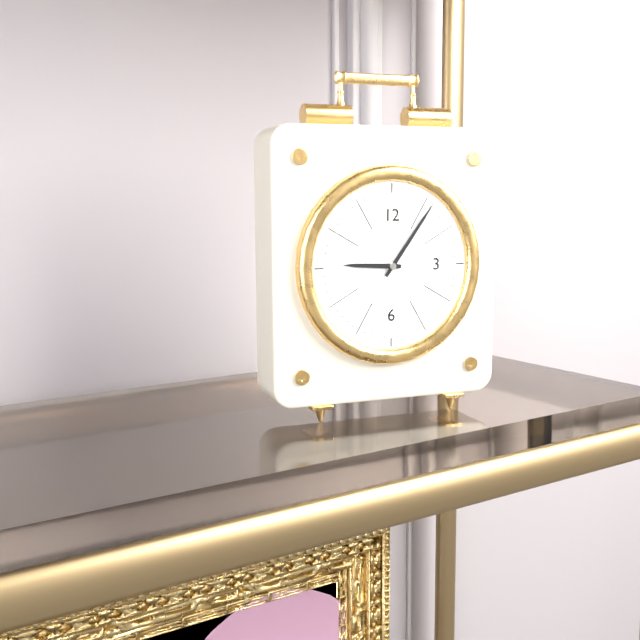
9 h 06 min
